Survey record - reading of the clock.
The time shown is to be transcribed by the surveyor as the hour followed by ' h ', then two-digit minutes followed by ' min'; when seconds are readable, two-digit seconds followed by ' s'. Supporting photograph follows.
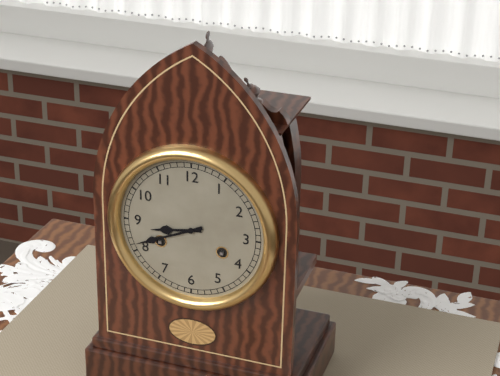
8 h 41 min
